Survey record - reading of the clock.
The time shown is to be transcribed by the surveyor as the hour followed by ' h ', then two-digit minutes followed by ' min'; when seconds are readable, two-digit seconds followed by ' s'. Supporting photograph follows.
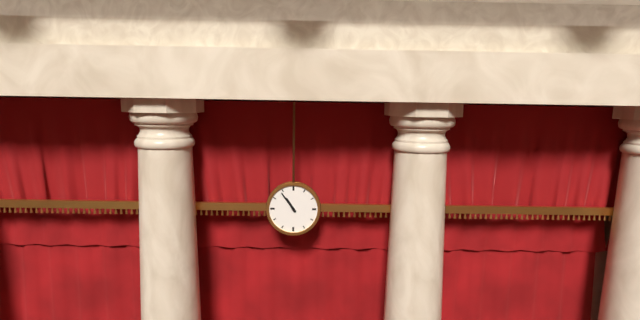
10 h 54 min
